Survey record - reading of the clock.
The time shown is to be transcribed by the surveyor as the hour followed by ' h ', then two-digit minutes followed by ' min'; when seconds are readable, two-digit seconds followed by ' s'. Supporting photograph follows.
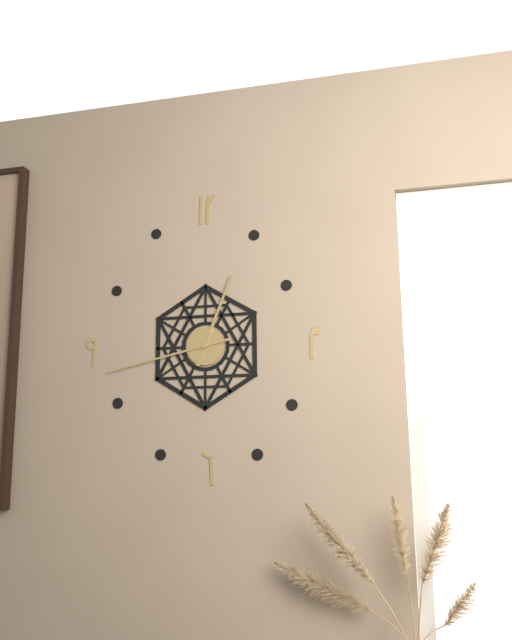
12 h 43 min
